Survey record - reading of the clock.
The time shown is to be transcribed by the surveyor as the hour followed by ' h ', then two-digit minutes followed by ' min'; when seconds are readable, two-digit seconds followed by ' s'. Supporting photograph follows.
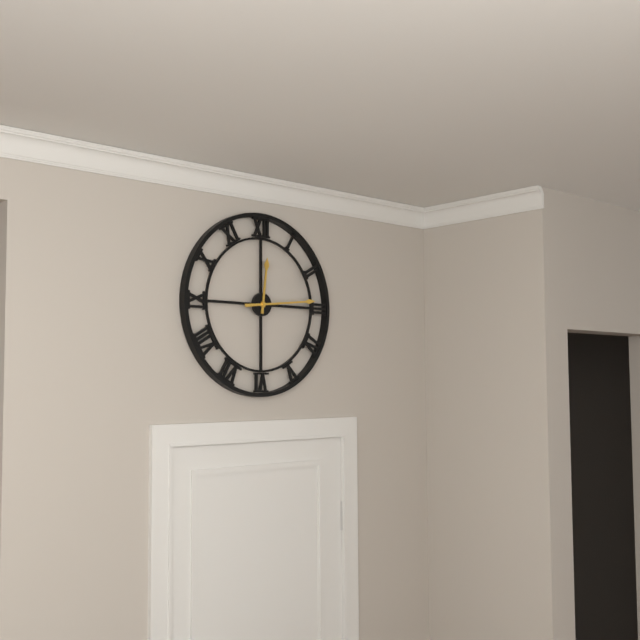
12 h 14 min
